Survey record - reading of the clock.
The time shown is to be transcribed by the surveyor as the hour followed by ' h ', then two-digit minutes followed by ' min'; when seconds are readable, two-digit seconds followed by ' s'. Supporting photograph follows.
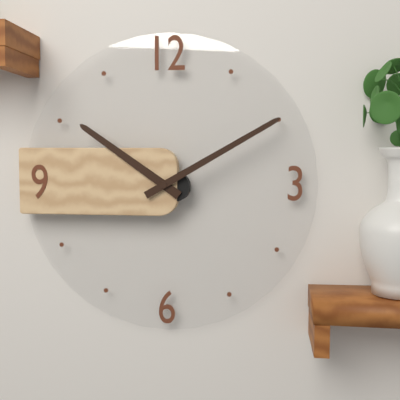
10 h 10 min
